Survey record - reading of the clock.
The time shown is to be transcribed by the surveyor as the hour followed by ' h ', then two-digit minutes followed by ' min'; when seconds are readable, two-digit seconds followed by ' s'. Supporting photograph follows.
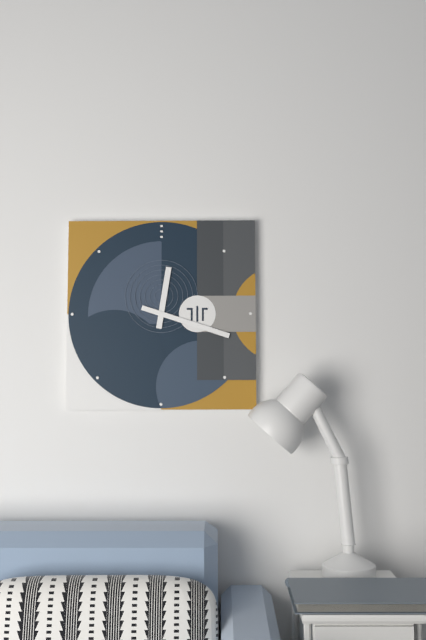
12 h 18 min
